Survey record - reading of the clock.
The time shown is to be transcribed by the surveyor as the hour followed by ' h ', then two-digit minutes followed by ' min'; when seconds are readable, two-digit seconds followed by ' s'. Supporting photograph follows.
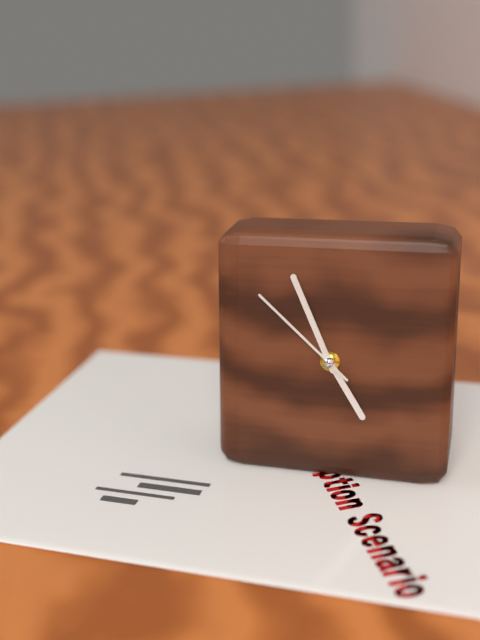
4 h 56 min 52 s
